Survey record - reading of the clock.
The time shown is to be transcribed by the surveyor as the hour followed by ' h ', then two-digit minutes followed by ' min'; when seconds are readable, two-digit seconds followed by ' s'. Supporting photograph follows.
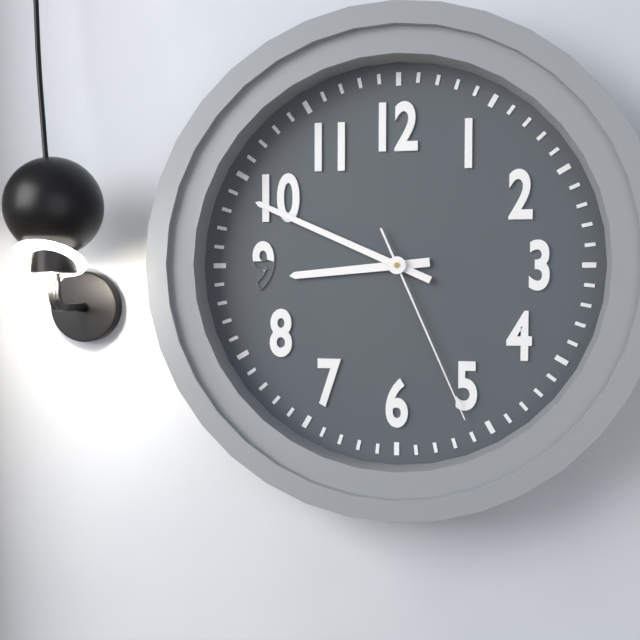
8 h 49 min 26 s
